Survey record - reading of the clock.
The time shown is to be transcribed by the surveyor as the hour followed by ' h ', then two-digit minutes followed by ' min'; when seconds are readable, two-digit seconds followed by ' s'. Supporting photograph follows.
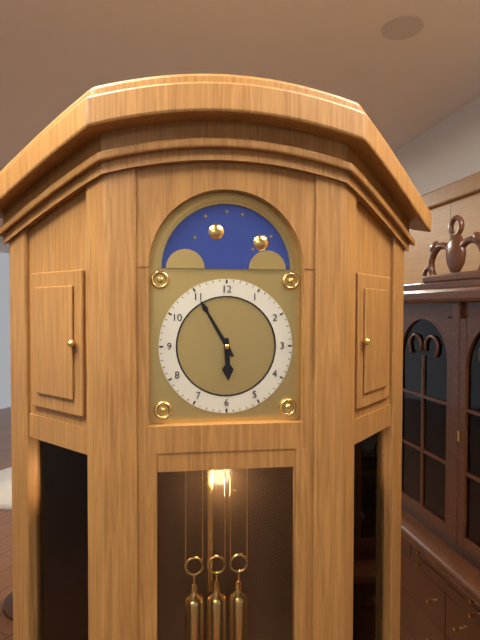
5 h 55 min
